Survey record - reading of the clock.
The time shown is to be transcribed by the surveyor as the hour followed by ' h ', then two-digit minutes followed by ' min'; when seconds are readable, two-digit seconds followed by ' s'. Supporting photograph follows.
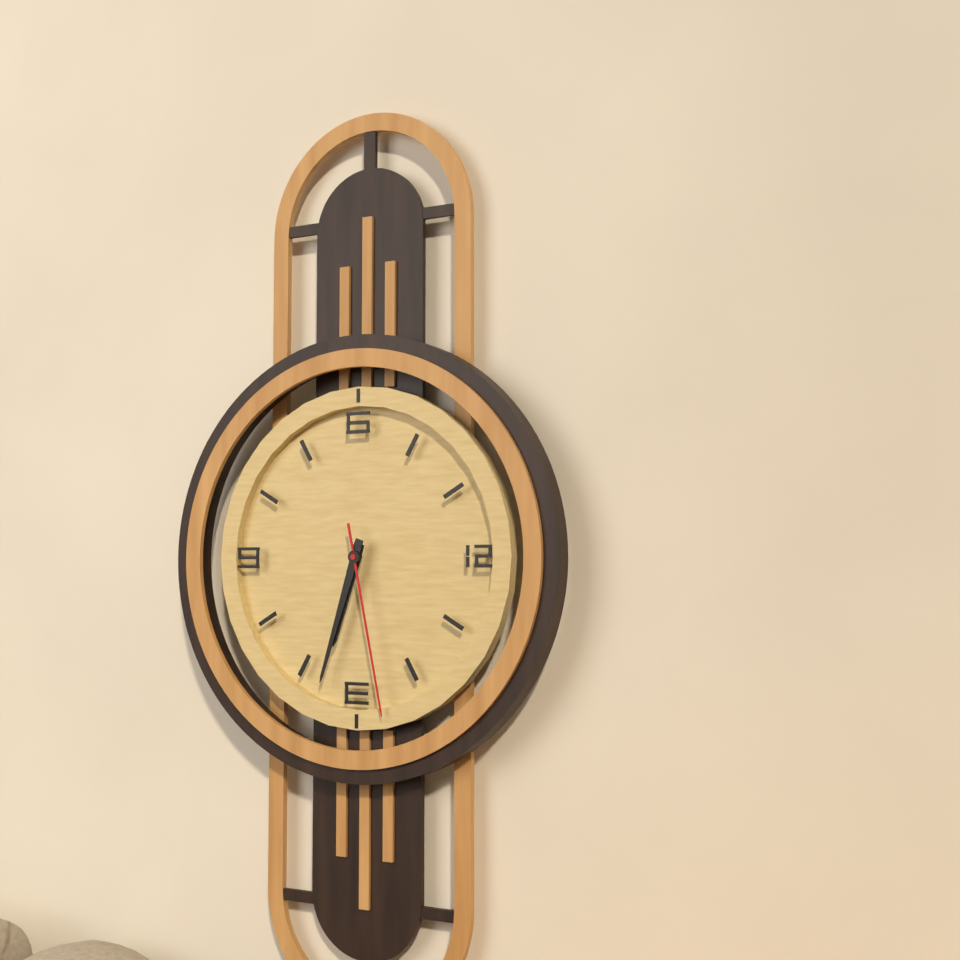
6 h 33 min 28 s
